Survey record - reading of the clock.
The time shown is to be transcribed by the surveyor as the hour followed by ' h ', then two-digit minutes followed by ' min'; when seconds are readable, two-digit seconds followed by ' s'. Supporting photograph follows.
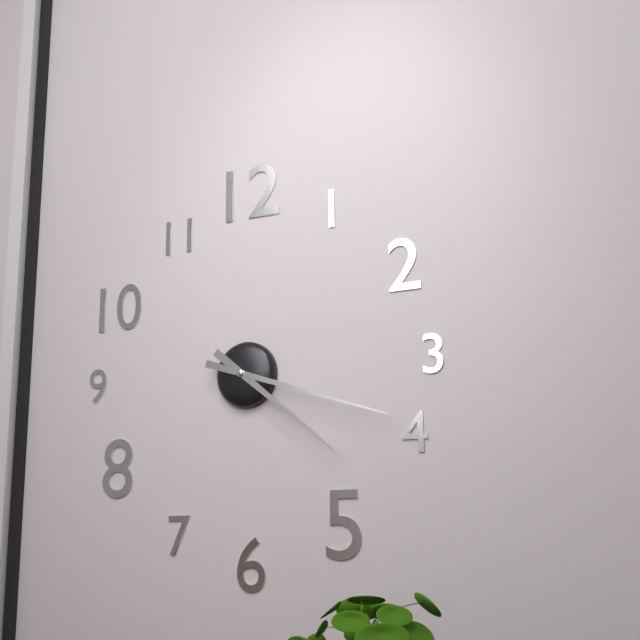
4 h 18 min
